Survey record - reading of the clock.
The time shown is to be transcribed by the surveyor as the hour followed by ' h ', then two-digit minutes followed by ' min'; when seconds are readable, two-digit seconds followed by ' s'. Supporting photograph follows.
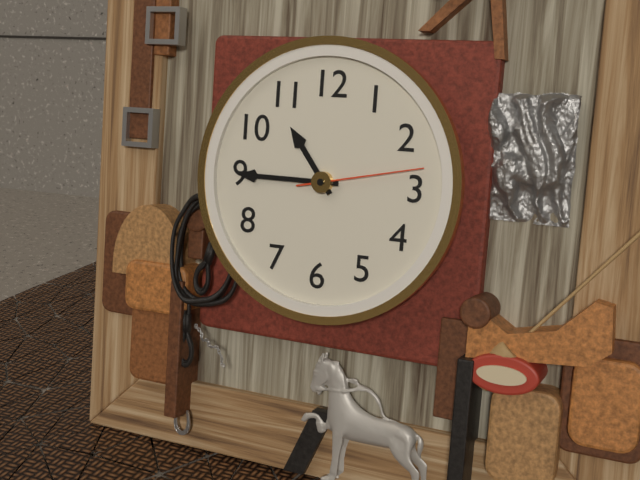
10 h 45 min 13 s
